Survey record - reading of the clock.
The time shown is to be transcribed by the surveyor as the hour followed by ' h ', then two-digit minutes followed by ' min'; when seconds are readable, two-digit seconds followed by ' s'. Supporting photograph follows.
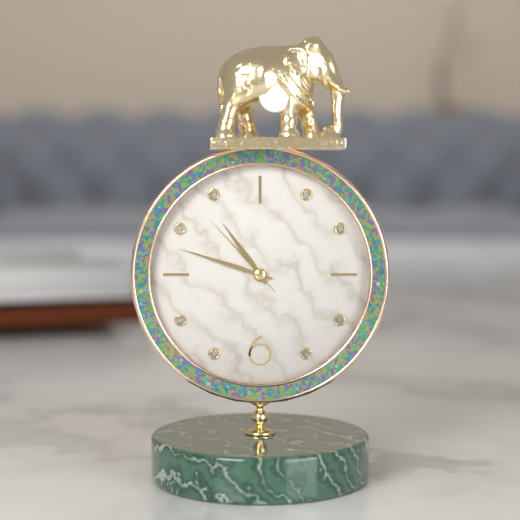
10 h 48 min 53 s
